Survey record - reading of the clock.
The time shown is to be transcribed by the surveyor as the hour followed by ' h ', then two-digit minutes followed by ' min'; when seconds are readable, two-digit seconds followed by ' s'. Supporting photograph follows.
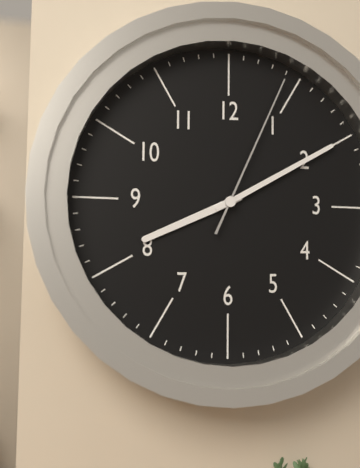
8 h 10 min 04 s
